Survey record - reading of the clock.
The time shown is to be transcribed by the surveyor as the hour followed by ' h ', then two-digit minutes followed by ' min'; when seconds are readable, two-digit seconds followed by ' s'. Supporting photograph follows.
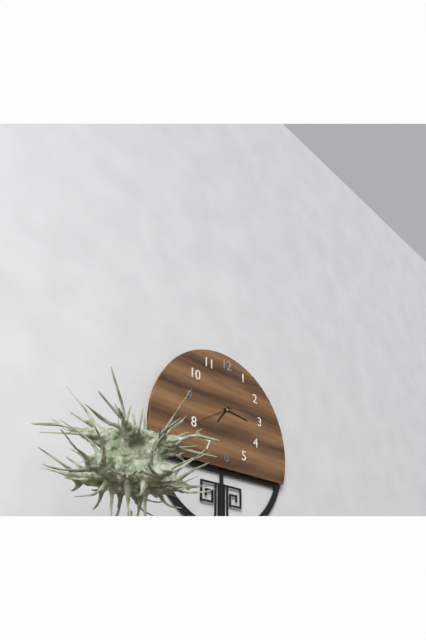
7 h 16 min
